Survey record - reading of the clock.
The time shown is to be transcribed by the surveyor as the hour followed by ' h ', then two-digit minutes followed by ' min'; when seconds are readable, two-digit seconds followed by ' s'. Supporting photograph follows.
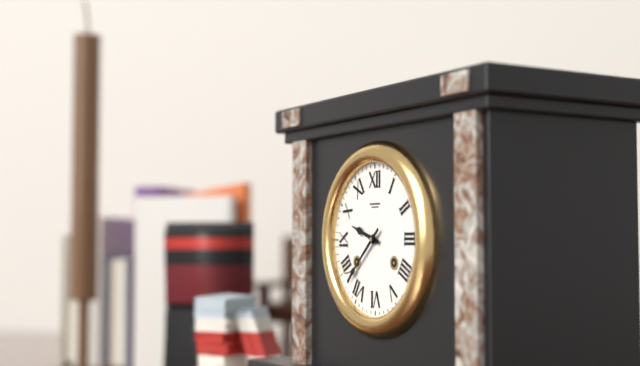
9 h 38 min
